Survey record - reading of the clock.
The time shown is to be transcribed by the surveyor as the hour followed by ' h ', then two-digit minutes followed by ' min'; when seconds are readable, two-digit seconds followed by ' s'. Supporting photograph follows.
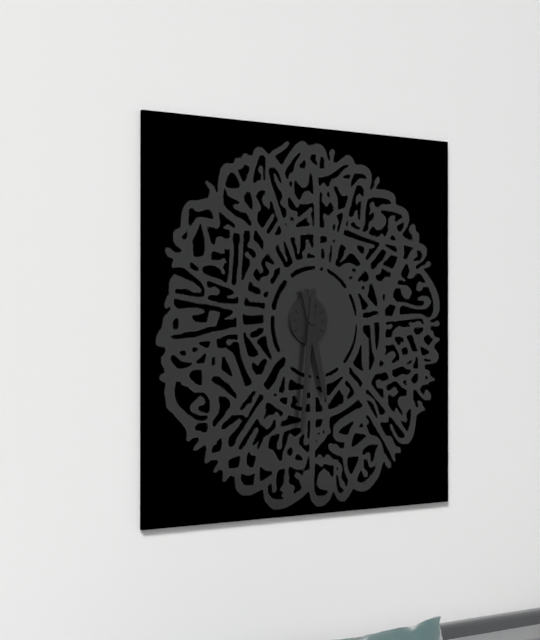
5 h 31 min
